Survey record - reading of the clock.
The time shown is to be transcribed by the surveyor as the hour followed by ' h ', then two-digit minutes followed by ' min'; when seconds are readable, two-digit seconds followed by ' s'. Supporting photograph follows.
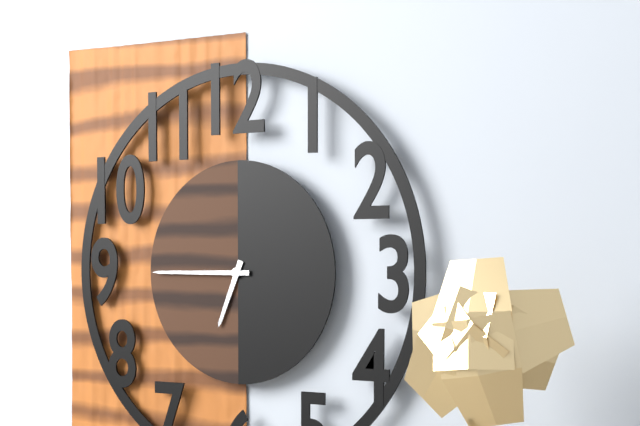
6 h 45 min
